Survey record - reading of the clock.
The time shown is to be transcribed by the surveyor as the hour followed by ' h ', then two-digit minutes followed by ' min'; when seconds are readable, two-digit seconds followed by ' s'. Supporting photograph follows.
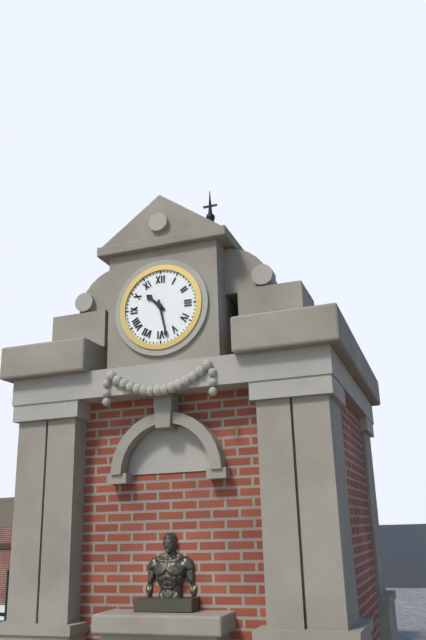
10 h 28 min
